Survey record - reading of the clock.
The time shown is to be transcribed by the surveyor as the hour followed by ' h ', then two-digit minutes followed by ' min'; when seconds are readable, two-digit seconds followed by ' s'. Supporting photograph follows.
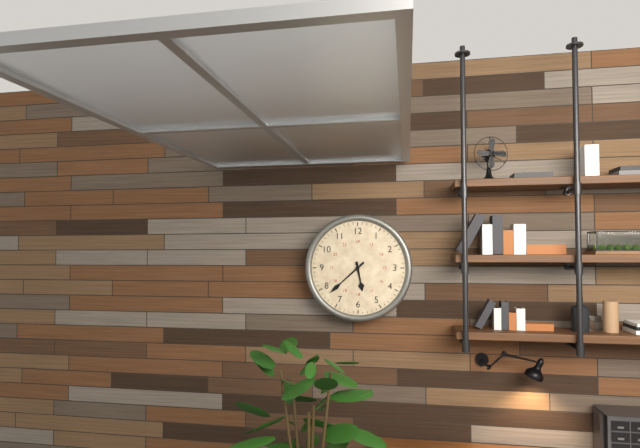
5 h 38 min
